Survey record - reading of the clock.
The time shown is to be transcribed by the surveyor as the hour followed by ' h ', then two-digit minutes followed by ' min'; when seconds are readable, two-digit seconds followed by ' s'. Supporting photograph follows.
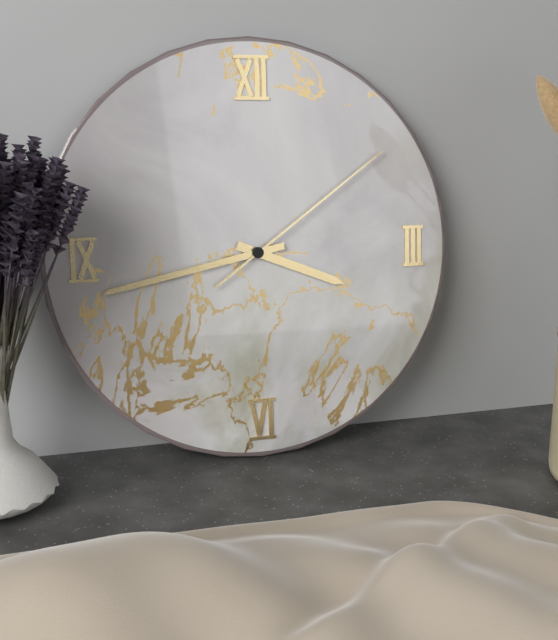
3 h 43 min 09 s
